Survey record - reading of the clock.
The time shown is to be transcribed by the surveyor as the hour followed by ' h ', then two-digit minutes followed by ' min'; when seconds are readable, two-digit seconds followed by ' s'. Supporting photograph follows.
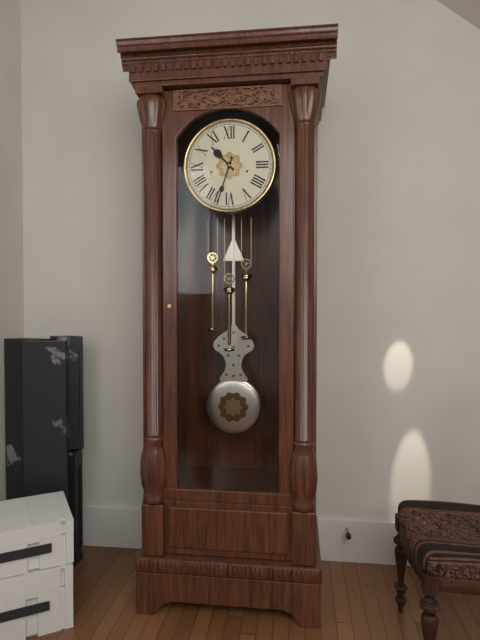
10 h 33 min
